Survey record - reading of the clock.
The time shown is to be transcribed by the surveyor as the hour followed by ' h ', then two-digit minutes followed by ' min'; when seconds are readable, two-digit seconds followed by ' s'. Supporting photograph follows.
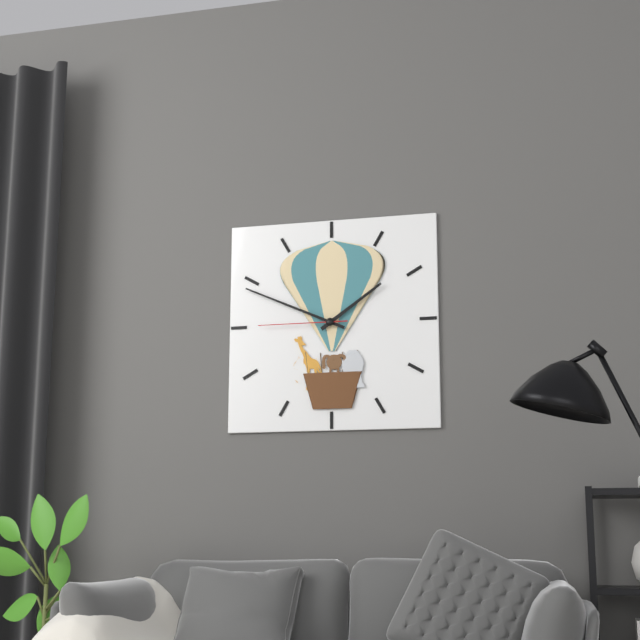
1 h 49 min 45 s
